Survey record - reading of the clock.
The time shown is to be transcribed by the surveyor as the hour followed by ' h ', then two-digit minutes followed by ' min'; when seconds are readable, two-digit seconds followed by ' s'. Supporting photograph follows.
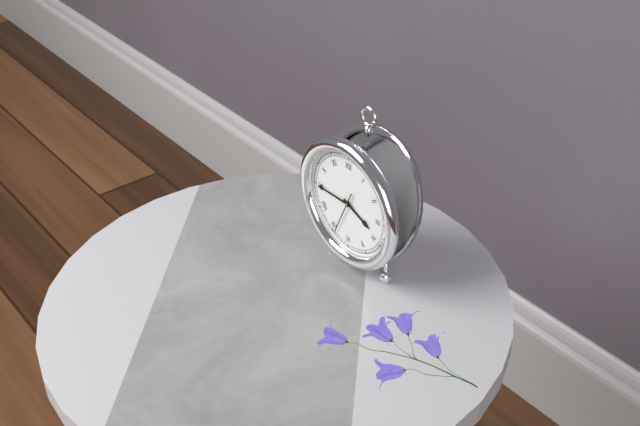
3 h 45 min
